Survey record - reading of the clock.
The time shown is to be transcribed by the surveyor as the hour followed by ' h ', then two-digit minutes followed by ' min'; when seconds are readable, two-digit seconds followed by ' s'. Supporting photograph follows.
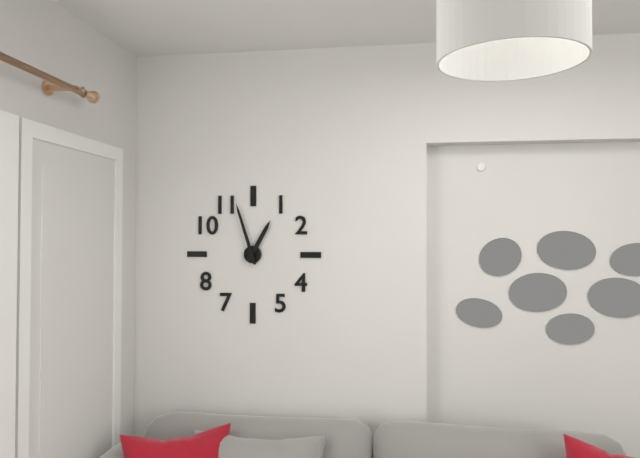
12 h 57 min
